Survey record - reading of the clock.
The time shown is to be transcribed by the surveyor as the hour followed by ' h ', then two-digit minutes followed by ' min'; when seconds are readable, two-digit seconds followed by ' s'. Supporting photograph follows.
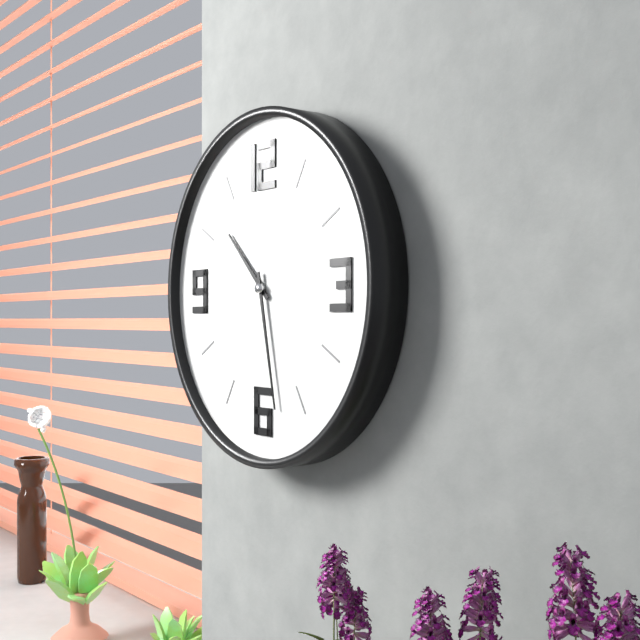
10 h 28 min
